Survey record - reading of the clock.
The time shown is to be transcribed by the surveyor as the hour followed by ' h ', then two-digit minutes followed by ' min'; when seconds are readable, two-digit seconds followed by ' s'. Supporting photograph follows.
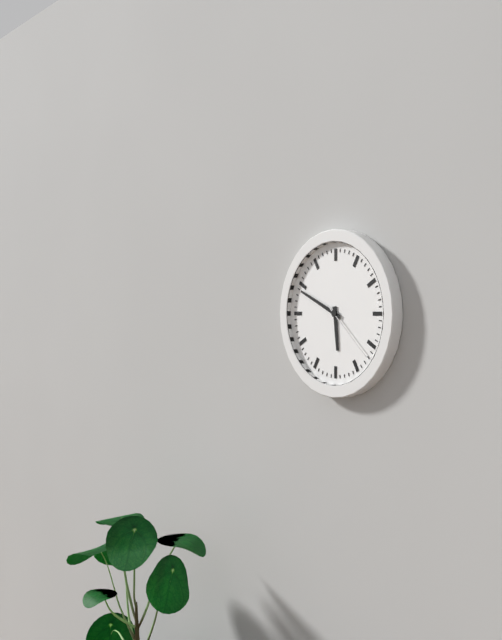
5 h 49 min 22 s
